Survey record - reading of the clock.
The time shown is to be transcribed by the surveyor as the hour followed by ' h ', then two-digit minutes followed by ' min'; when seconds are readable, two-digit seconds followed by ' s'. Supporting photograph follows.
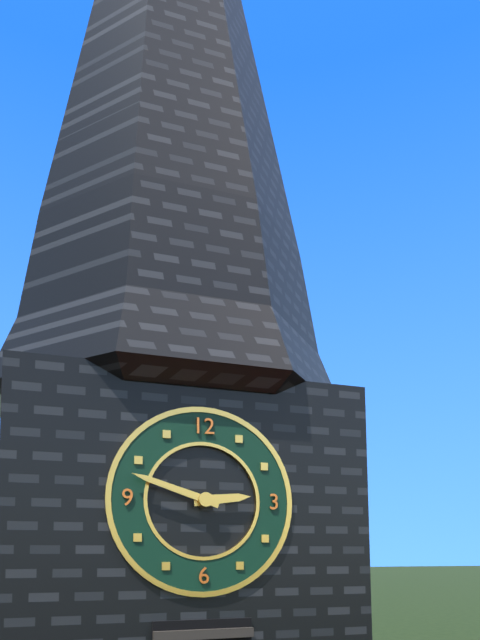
2 h 48 min
